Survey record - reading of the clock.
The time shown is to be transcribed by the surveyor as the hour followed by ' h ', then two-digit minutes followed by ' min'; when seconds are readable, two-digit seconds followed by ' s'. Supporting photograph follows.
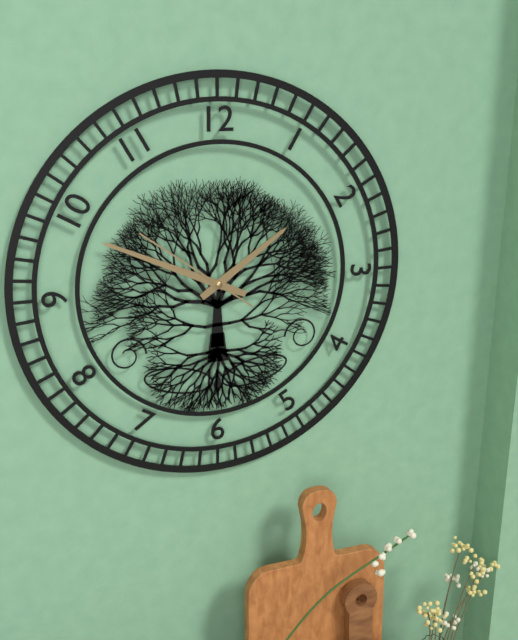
1 h 49 min 51 s
